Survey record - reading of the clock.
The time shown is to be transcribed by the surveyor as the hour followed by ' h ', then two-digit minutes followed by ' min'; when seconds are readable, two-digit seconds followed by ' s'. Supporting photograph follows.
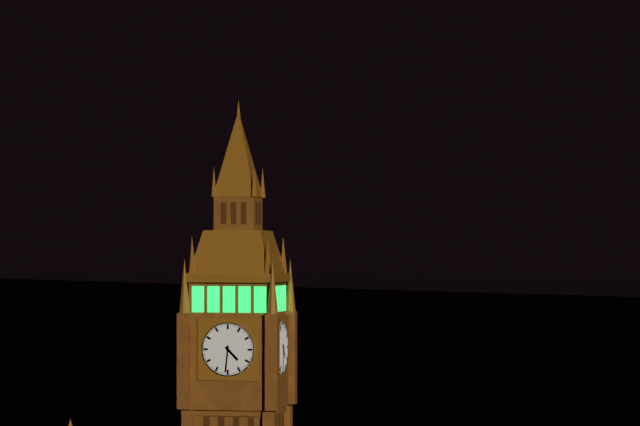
4 h 31 min
